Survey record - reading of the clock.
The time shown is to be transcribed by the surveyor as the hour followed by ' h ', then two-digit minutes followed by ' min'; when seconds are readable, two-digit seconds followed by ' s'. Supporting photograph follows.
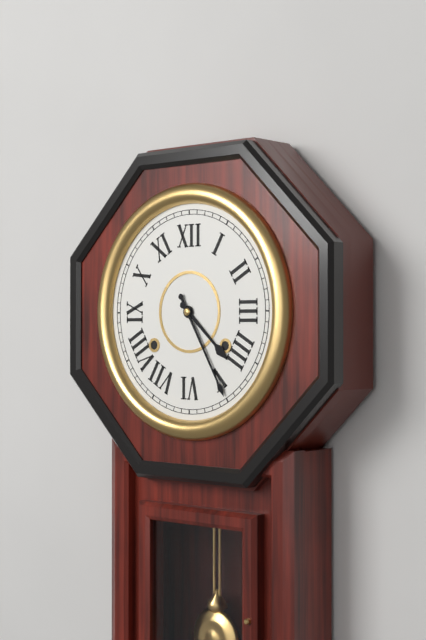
4 h 25 min
